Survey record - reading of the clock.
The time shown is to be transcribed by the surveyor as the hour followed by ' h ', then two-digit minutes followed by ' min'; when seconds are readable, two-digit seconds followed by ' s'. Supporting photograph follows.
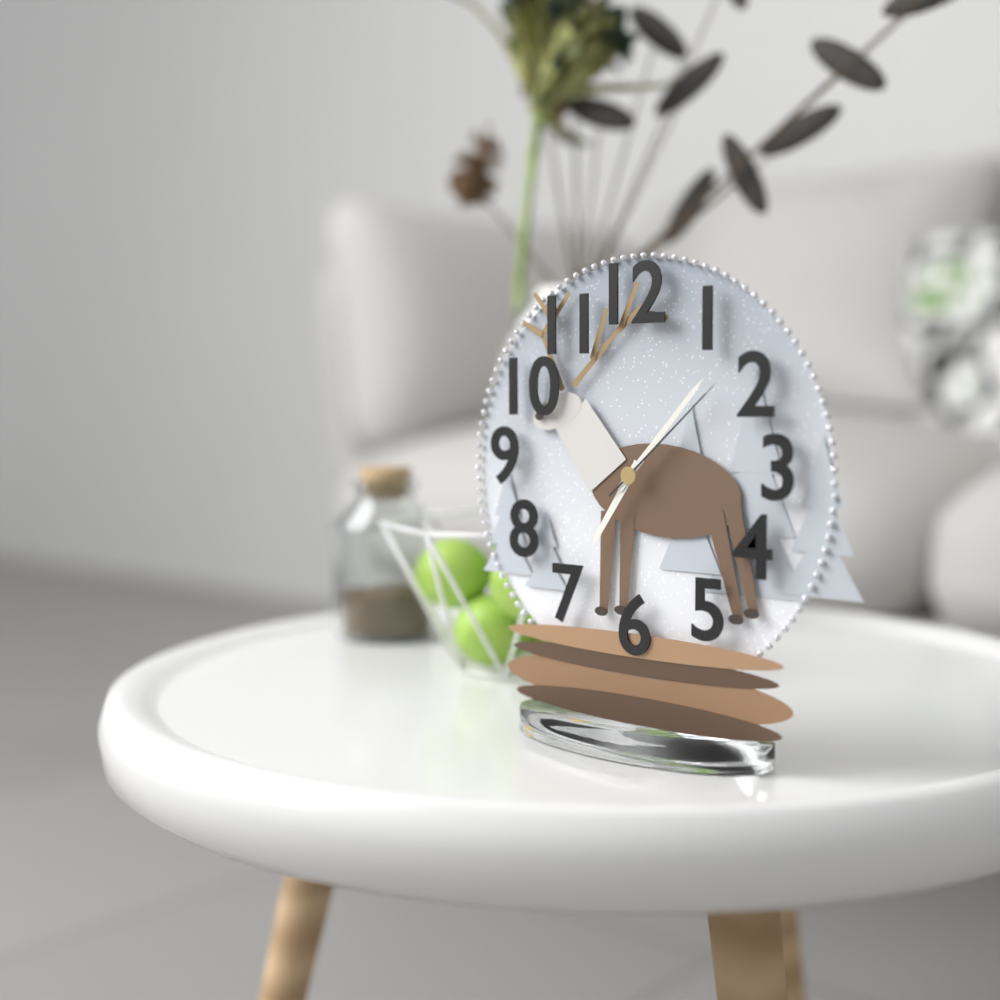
7 h 07 min 08 s
